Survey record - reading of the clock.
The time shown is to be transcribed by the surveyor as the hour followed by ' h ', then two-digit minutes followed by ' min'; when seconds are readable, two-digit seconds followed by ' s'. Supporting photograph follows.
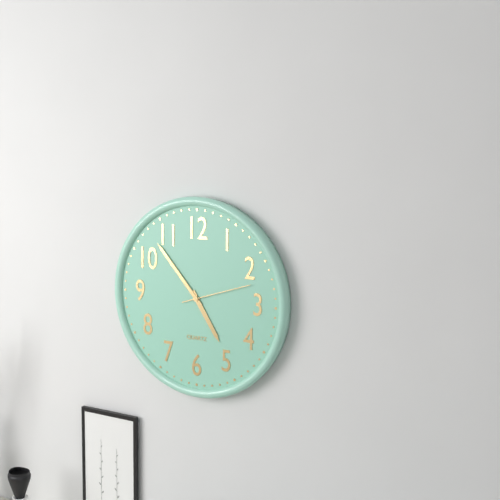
4 h 53 min 12 s
